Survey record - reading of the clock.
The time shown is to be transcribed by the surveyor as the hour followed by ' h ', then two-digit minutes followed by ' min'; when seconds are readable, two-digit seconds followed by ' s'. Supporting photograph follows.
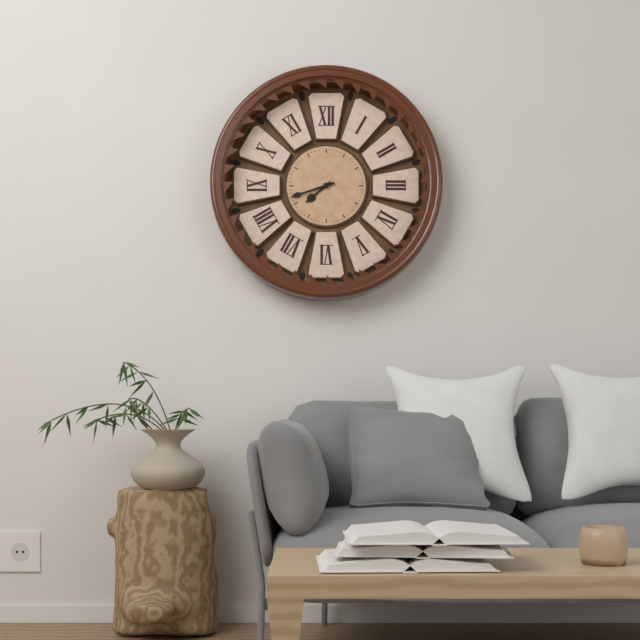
7 h 42 min
